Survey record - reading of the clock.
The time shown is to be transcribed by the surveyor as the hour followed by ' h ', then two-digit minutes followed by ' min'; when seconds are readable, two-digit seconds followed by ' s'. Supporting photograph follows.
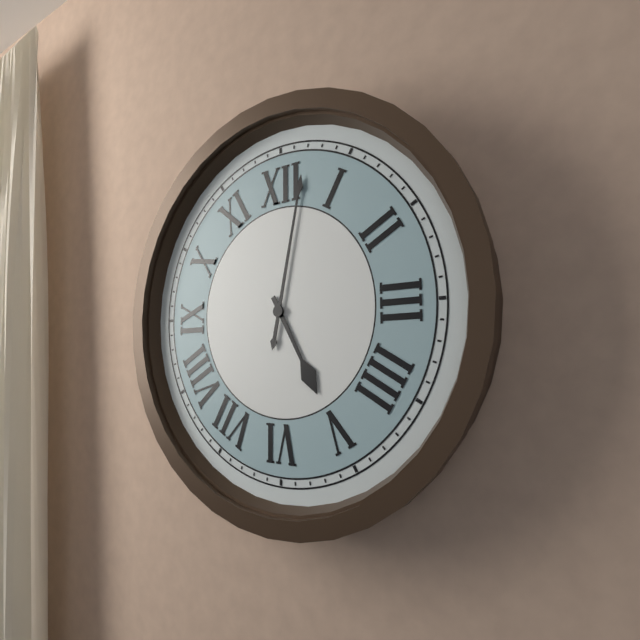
5 h 02 min
